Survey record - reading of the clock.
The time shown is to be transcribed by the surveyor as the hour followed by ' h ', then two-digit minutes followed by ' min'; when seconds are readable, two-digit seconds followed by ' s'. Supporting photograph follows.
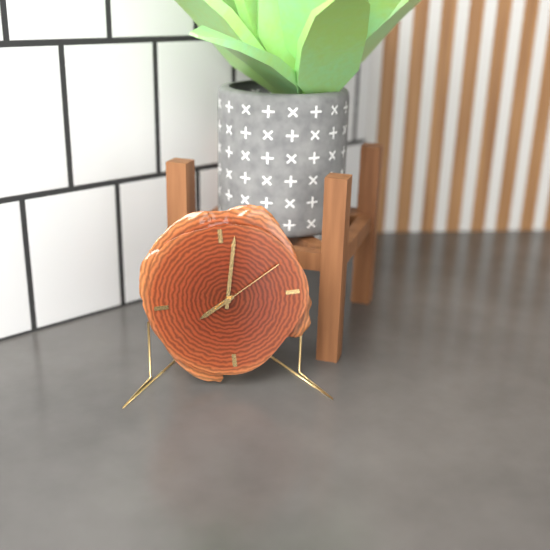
8 h 02 min 10 s
